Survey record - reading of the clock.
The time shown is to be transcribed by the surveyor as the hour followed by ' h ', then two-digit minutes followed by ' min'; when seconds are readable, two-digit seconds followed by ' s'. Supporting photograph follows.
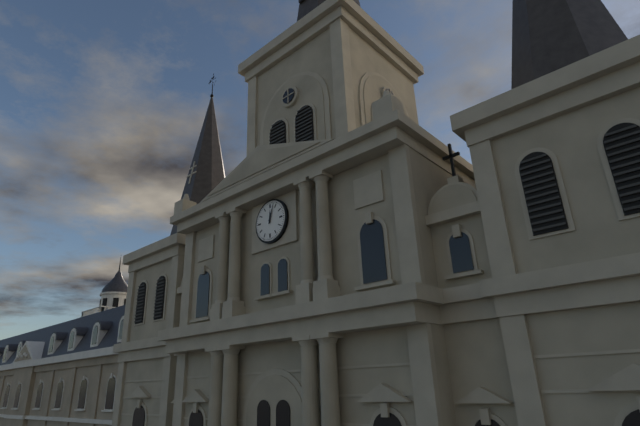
12 h 03 min
